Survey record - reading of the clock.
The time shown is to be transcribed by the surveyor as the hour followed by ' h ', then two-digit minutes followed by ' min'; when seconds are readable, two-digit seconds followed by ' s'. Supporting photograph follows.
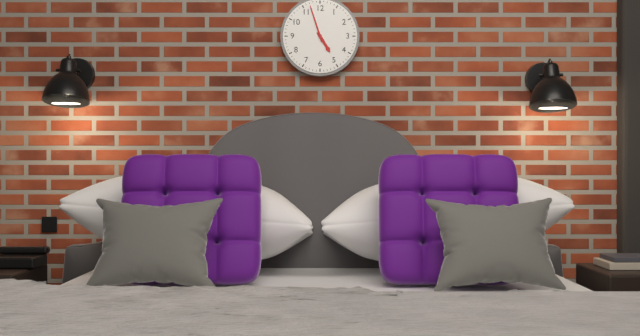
4 h 57 min
